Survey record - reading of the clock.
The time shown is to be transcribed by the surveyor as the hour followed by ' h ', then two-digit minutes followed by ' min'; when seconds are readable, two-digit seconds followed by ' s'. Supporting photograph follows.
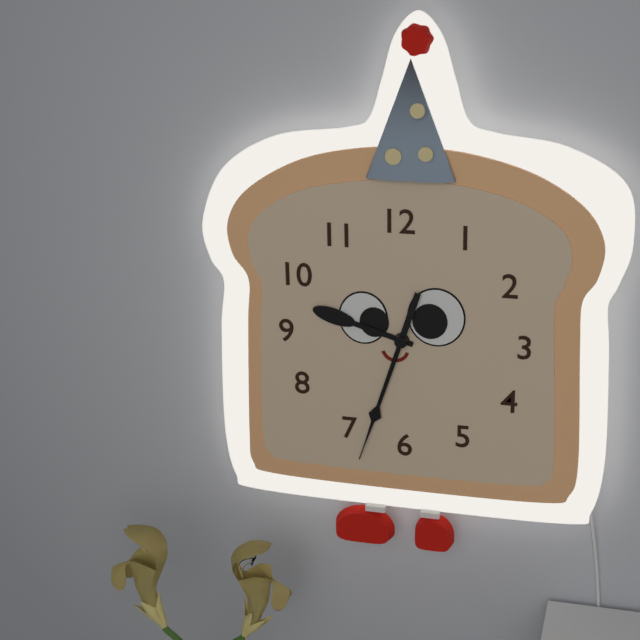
9 h 33 min 33 s
